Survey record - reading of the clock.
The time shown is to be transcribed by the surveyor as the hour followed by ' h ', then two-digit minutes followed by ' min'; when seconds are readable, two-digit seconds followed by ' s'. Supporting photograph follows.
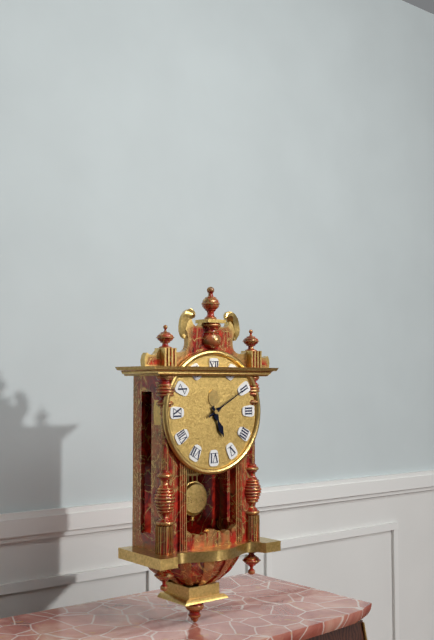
5 h 10 min
